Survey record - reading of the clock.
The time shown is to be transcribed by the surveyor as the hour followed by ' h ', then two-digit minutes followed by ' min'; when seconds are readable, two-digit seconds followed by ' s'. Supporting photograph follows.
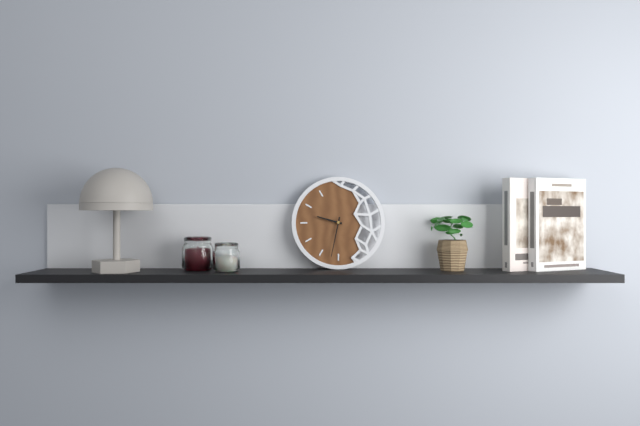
9 h 32 min
